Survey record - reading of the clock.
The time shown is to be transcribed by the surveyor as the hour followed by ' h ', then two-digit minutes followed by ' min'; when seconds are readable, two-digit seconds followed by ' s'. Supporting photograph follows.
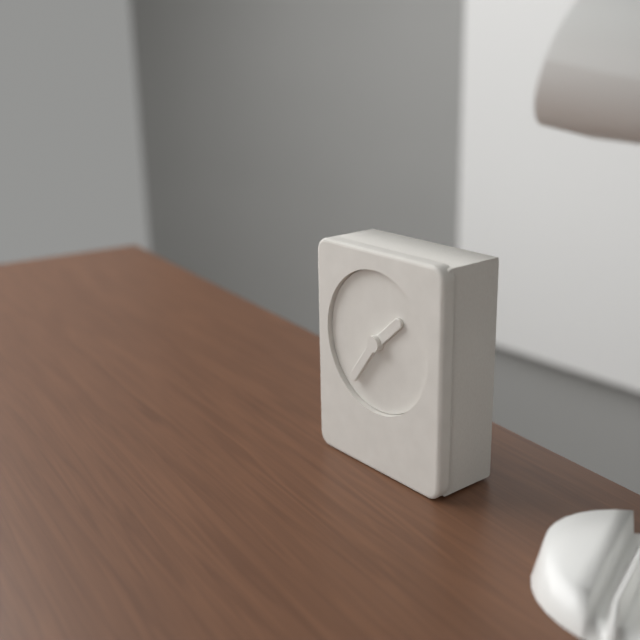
1 h 36 min
